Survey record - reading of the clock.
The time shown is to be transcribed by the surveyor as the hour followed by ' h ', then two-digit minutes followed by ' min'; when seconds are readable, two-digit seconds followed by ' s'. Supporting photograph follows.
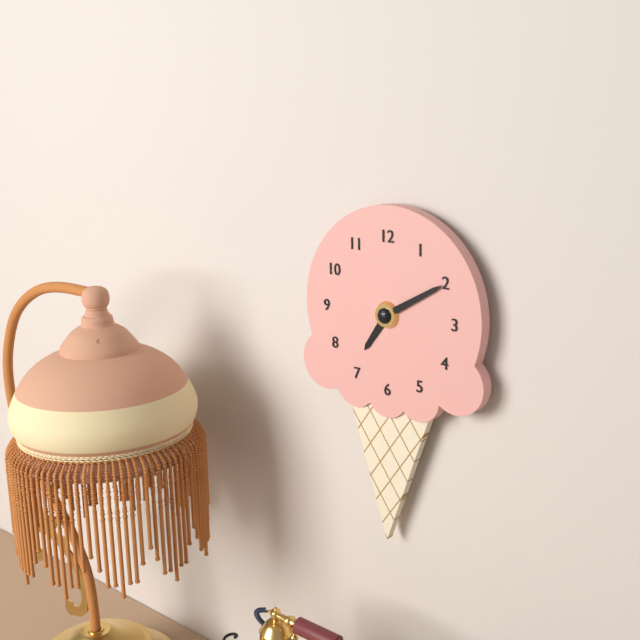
7 h 10 min
